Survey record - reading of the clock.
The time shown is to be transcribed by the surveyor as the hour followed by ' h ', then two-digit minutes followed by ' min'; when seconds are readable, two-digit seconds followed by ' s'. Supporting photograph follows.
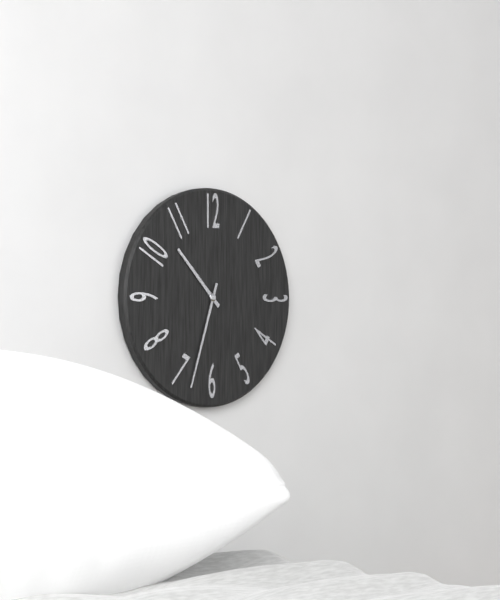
10 h 33 min
